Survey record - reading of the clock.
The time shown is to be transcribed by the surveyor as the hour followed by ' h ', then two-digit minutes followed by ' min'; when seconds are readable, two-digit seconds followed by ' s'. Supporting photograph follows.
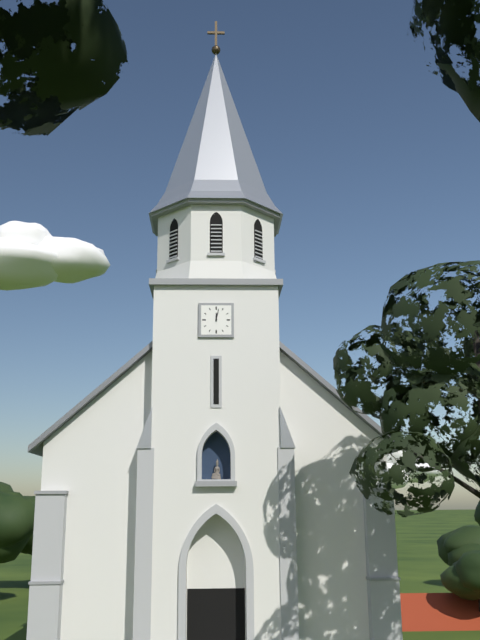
12 h 02 min
